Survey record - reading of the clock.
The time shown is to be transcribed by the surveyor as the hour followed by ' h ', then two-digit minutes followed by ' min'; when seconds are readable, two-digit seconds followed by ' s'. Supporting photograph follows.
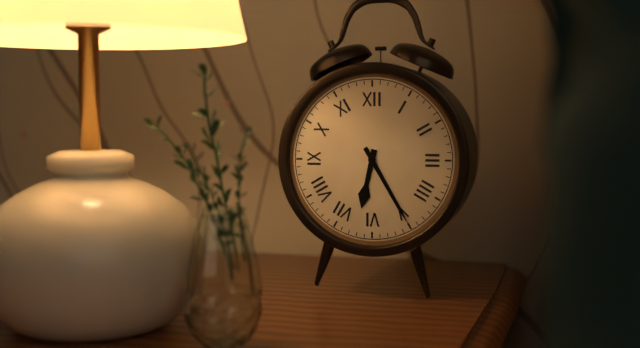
6 h 25 min
